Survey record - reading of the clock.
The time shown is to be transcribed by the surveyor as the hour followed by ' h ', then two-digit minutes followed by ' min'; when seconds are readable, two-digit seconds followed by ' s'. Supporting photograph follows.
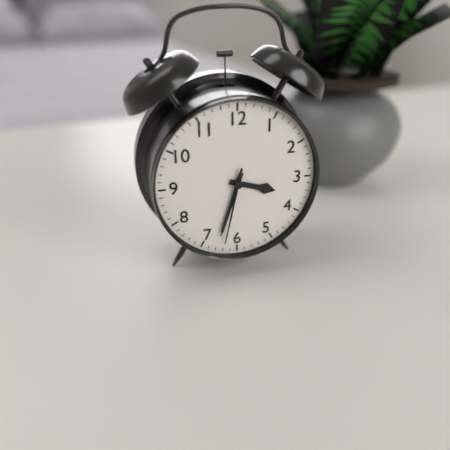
3 h 33 min 32 s
